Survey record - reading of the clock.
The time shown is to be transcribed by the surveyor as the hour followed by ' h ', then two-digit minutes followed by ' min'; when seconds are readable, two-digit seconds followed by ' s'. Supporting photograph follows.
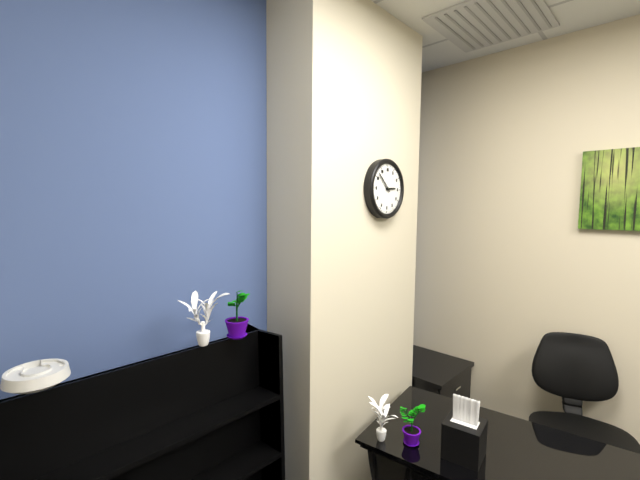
2 h 52 min
